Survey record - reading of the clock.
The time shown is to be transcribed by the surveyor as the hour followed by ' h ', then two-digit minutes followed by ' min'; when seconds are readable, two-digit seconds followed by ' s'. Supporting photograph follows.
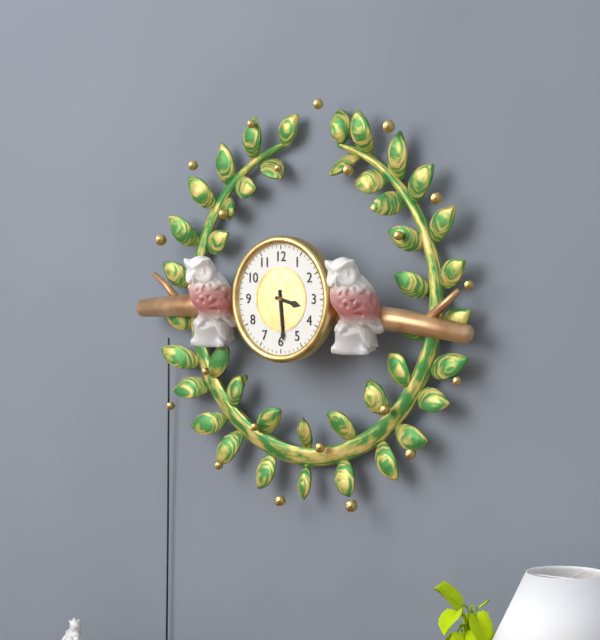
3 h 29 min
